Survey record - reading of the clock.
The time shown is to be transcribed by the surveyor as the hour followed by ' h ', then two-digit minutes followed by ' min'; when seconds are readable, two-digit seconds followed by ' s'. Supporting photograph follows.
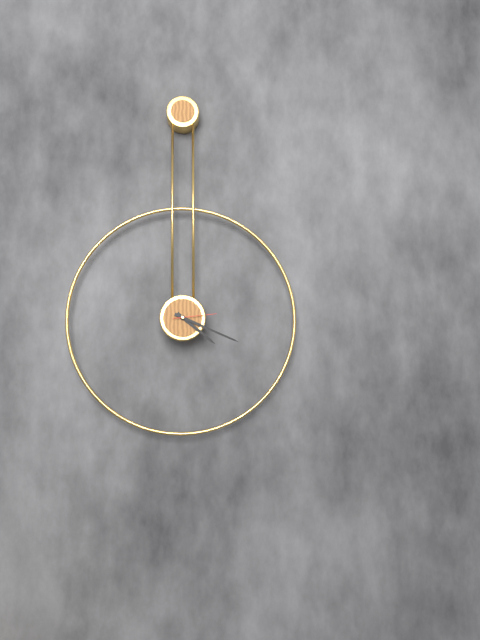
4 h 19 min
